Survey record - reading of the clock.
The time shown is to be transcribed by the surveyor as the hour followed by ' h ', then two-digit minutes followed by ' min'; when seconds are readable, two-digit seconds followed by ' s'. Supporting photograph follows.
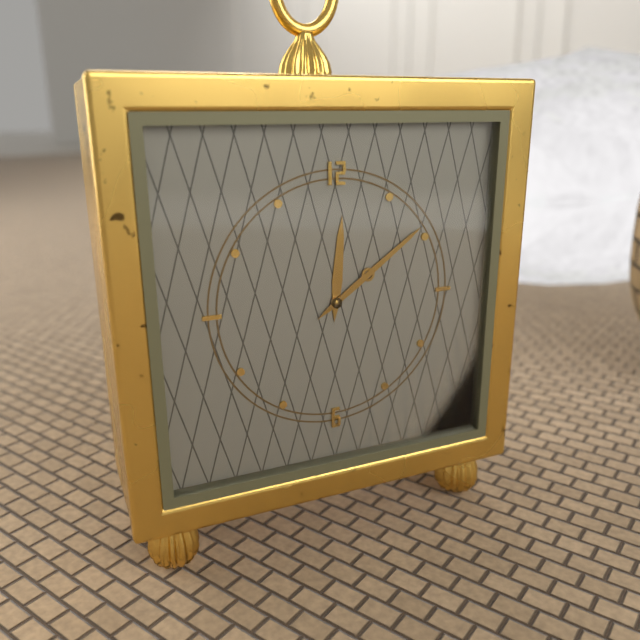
12 h 09 min
